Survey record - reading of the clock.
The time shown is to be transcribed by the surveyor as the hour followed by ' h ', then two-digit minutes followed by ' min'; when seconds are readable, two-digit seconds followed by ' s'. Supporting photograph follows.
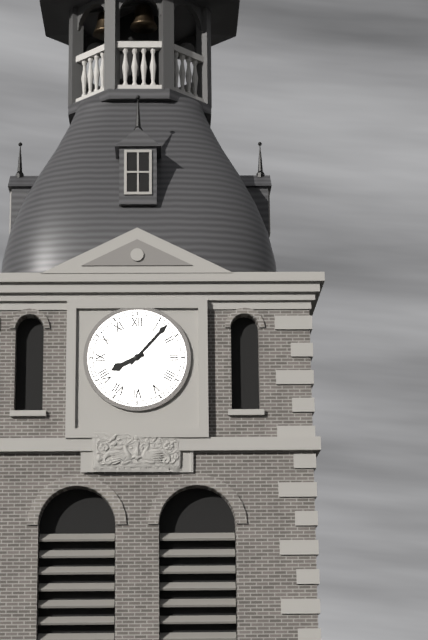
8 h 07 min
